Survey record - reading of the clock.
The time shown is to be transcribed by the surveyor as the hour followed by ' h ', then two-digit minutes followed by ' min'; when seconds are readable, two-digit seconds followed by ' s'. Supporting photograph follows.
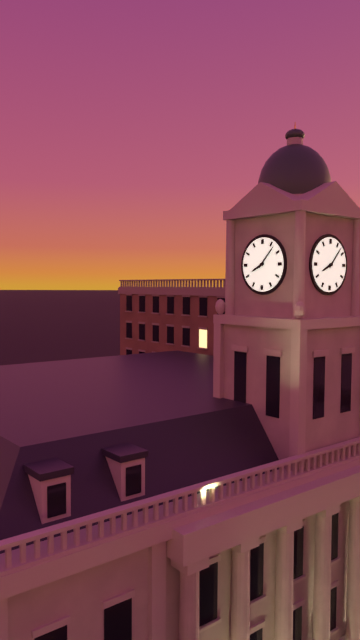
8 h 07 min
